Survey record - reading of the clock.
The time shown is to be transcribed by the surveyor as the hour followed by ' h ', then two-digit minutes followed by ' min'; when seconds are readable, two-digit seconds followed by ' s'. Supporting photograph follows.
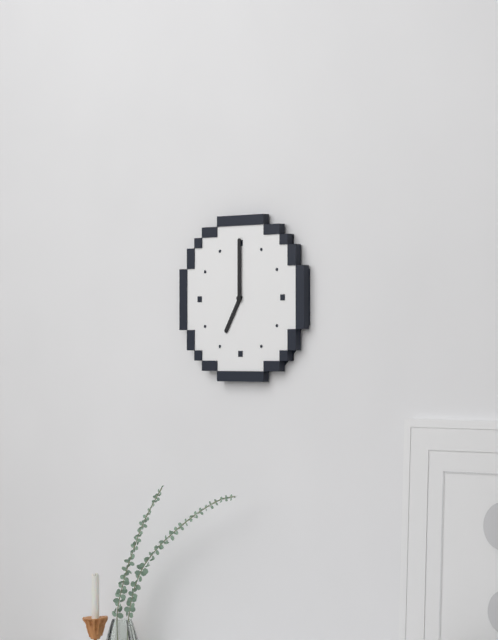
7 h 00 min
